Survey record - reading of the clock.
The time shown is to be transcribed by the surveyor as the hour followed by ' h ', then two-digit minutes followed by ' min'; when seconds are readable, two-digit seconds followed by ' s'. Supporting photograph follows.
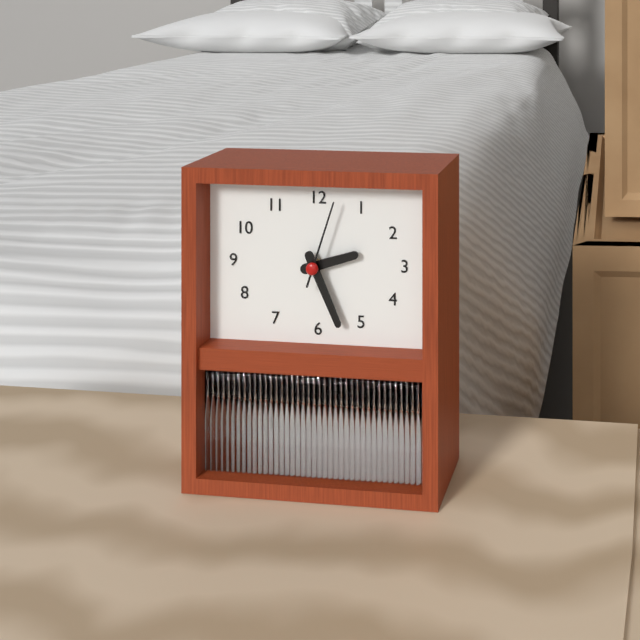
2 h 26 min 03 s
